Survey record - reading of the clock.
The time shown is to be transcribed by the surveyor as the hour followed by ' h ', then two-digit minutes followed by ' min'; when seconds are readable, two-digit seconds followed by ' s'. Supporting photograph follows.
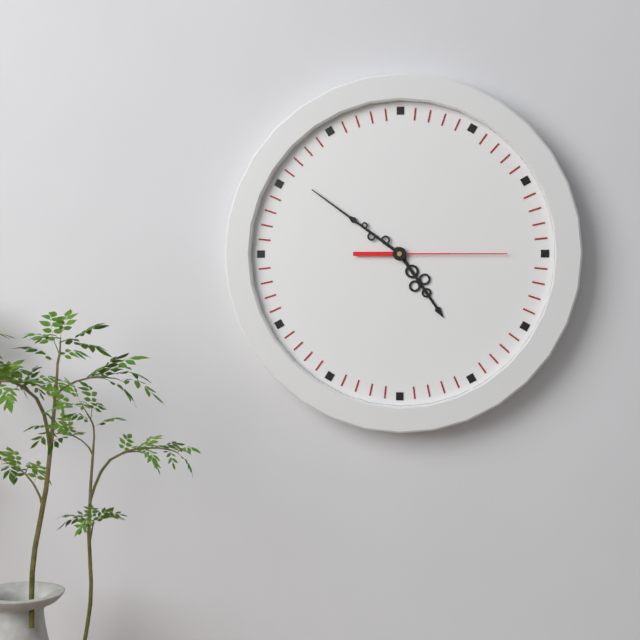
4 h 51 min 15 s
